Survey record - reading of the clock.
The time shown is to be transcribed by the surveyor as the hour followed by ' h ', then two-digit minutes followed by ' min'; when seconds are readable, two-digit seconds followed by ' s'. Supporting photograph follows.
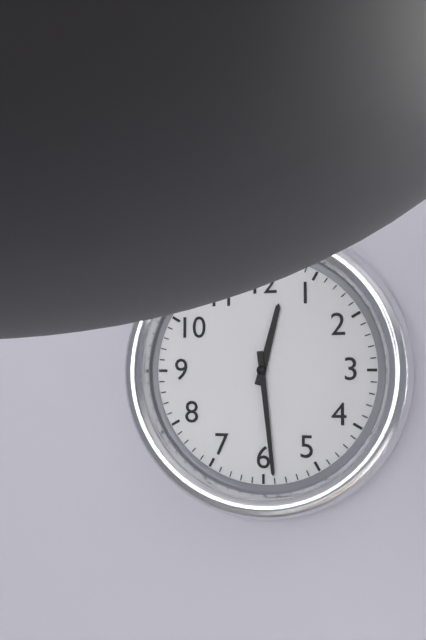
12 h 29 min
